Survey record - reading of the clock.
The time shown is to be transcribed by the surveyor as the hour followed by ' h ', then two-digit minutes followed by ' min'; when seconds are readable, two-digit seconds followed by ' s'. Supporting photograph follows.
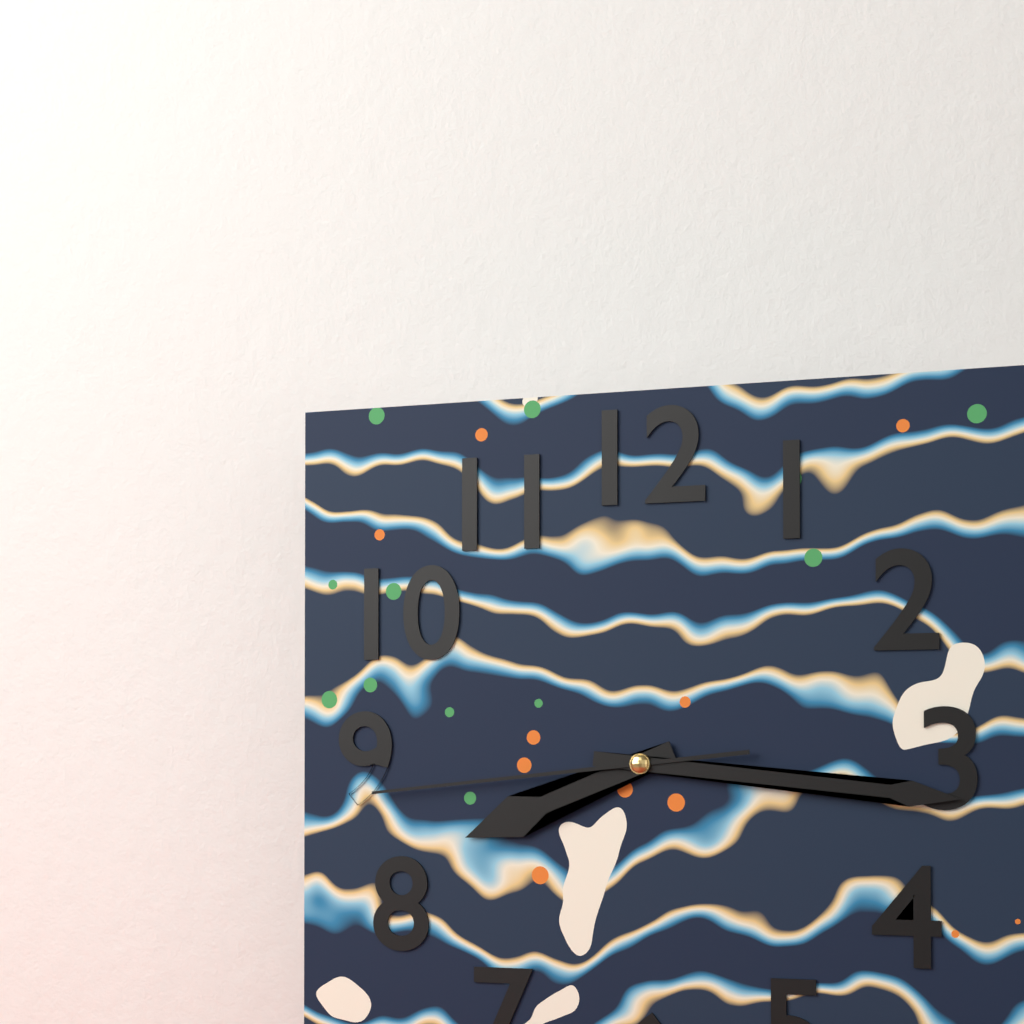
8 h 16 min 44 s
